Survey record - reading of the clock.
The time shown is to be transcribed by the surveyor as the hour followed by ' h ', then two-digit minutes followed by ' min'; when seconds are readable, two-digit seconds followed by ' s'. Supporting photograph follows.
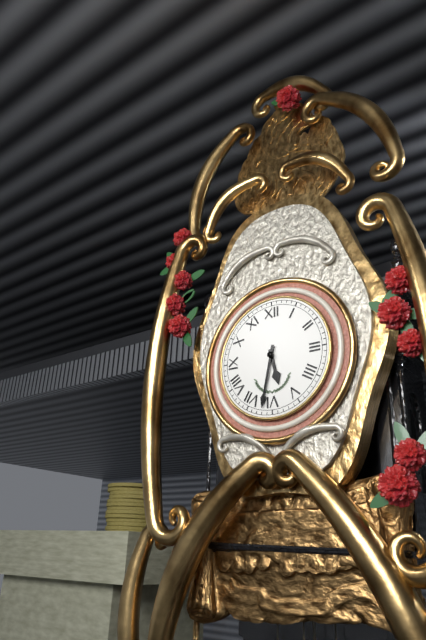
5 h 32 min
